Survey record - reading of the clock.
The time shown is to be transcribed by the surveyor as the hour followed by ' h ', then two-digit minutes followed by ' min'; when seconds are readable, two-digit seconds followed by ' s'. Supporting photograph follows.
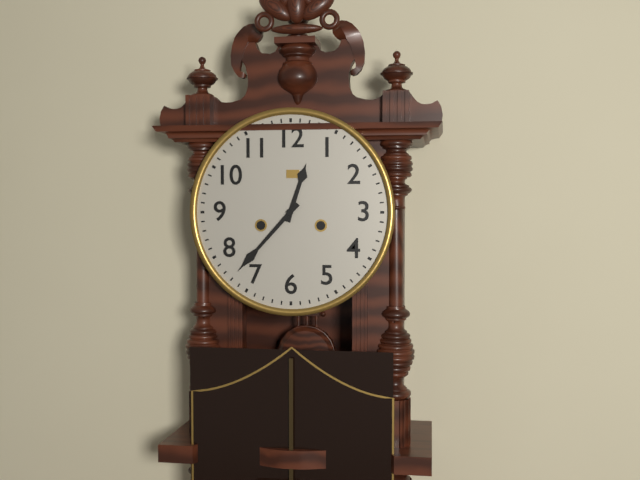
12 h 37 min
